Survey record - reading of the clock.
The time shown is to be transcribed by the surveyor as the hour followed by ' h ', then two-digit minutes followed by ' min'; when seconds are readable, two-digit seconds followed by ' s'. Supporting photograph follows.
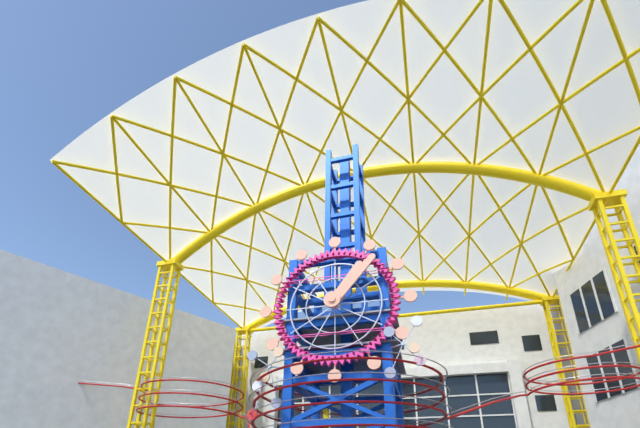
1 h 07 min
